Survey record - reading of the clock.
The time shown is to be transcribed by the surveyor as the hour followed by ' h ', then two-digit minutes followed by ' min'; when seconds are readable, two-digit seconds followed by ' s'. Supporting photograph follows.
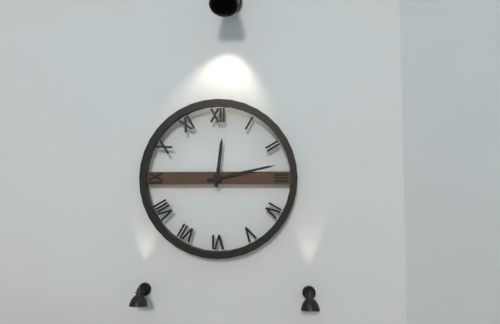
12 h 13 min
